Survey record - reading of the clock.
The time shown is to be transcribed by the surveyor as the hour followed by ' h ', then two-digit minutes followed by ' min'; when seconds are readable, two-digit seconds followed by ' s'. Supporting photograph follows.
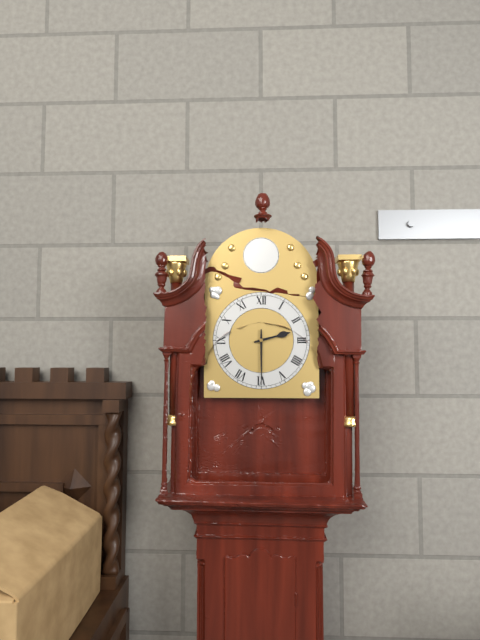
2 h 30 min
